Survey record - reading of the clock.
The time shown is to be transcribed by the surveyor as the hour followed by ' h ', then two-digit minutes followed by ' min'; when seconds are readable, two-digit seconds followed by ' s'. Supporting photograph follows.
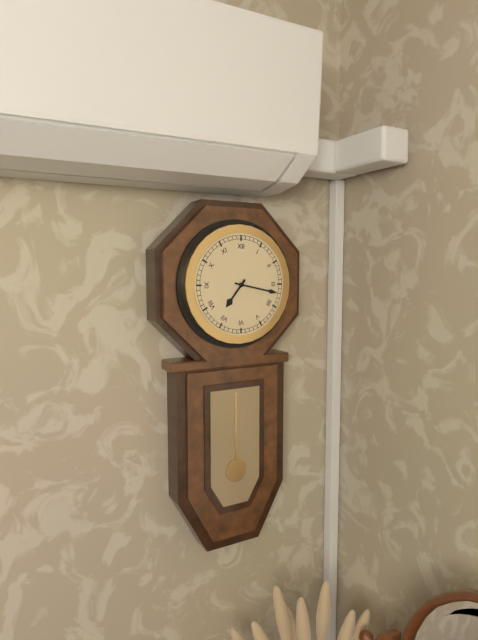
7 h 17 min
